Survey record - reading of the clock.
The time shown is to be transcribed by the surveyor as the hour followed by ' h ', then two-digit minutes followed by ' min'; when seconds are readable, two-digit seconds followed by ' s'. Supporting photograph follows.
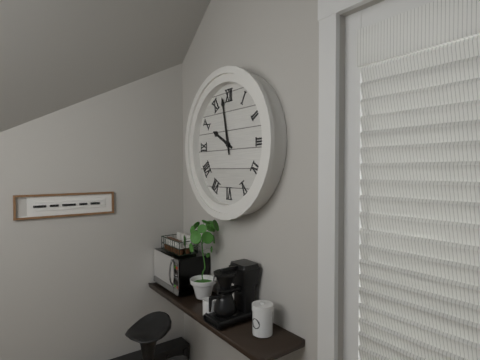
9 h 58 min
